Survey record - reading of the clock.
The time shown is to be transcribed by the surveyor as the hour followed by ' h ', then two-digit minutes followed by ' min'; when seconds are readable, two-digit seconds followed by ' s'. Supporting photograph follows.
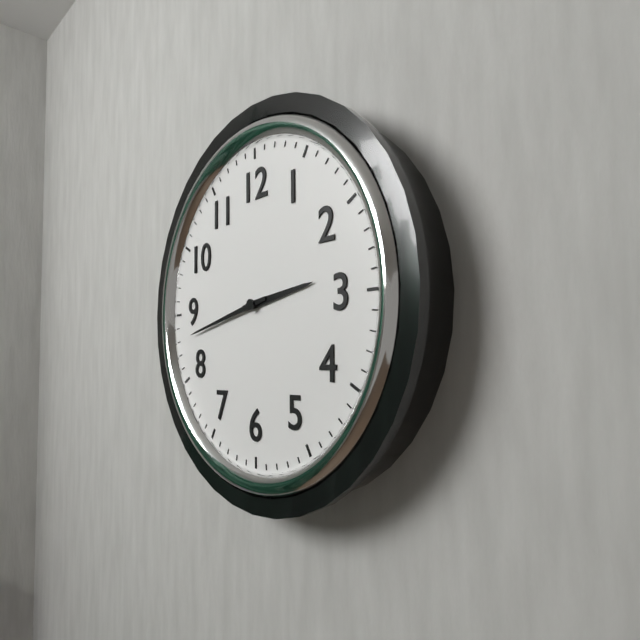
2 h 43 min
